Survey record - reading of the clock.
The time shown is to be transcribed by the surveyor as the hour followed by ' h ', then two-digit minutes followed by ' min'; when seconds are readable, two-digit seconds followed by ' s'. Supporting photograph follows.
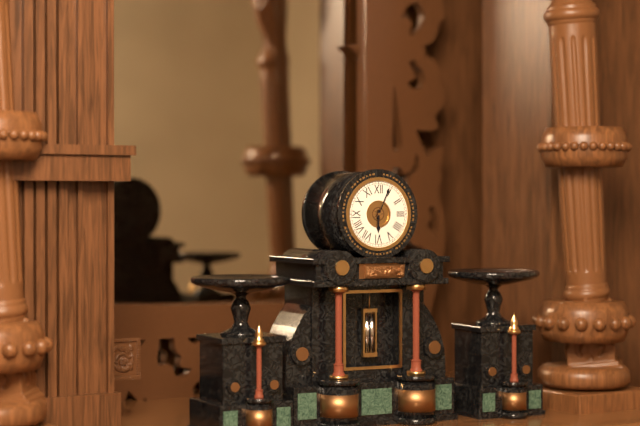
6 h 04 min
